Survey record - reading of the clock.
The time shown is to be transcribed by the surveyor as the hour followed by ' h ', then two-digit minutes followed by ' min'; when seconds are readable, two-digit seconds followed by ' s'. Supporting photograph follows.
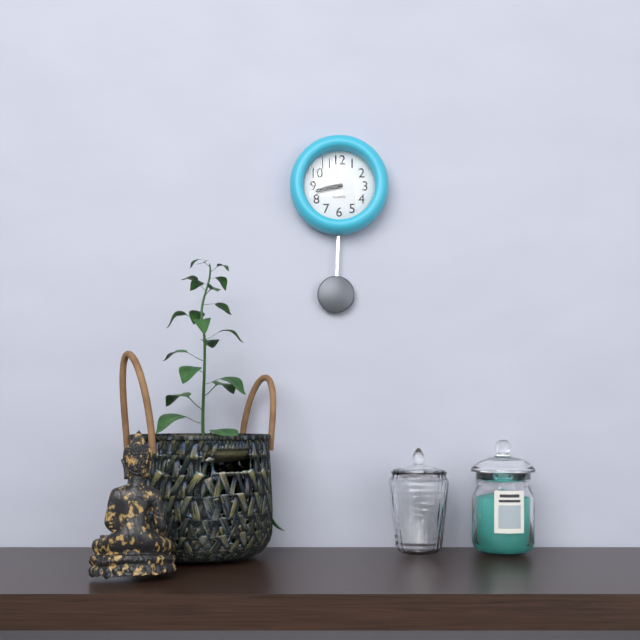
8 h 43 min
